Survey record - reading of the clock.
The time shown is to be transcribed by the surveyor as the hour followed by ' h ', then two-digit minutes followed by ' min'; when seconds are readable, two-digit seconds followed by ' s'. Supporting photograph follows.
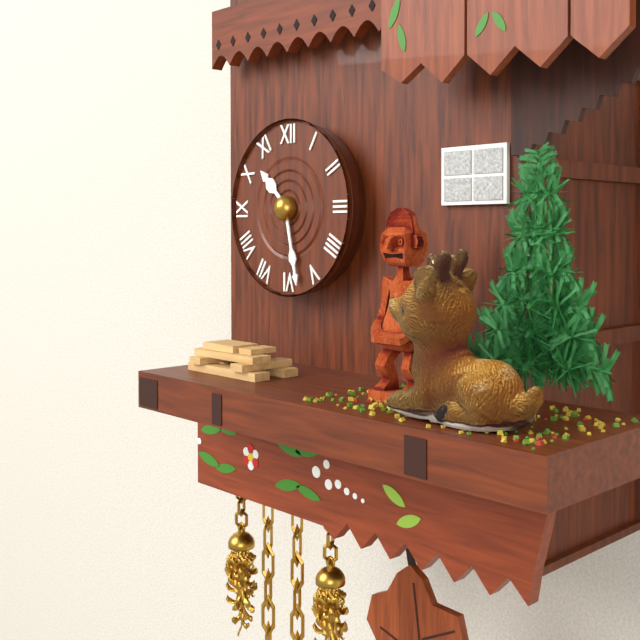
10 h 28 min
